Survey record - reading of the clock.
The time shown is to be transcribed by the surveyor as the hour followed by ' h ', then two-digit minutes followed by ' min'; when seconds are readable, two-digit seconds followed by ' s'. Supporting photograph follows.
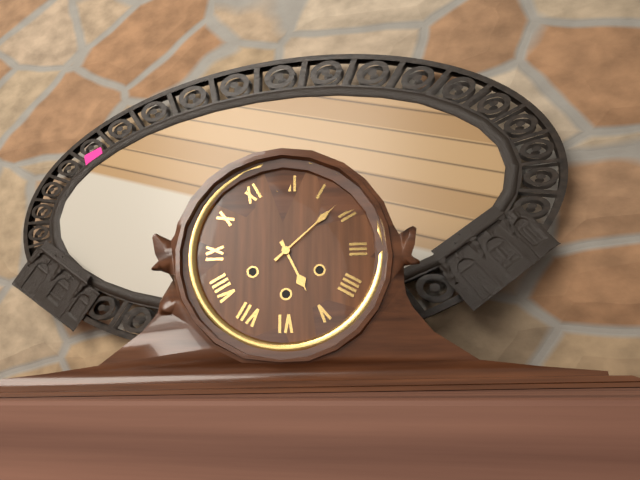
5 h 08 min
